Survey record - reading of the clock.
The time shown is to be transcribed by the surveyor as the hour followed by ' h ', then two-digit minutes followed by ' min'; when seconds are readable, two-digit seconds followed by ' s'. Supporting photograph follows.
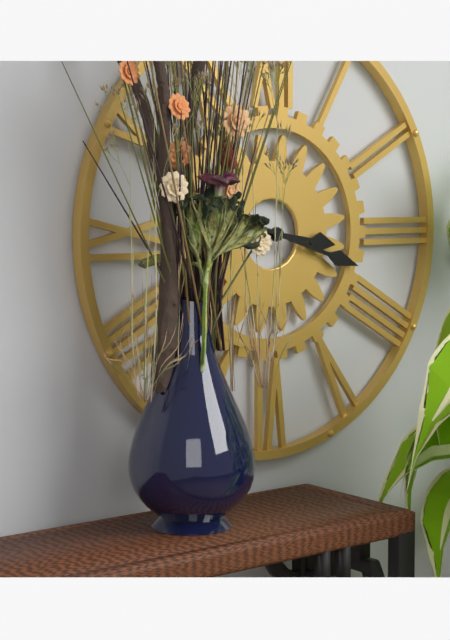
3 h 18 min
